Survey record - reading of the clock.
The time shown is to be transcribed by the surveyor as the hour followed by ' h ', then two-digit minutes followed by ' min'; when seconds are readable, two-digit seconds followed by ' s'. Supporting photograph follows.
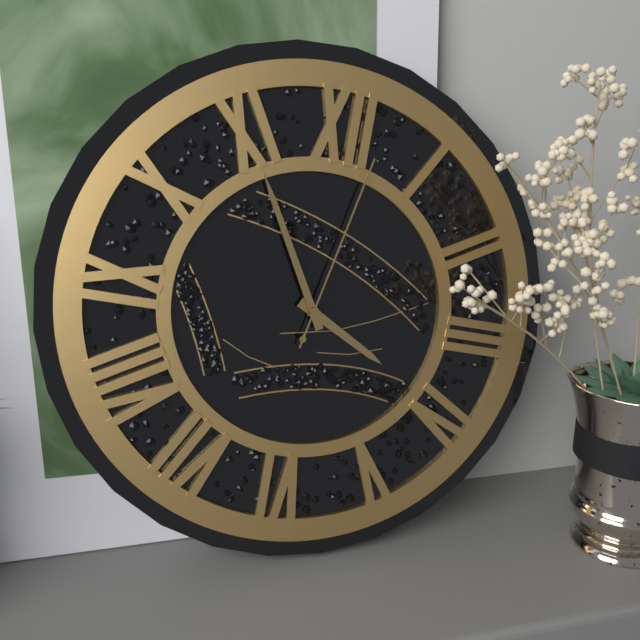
3 h 55 min 02 s
